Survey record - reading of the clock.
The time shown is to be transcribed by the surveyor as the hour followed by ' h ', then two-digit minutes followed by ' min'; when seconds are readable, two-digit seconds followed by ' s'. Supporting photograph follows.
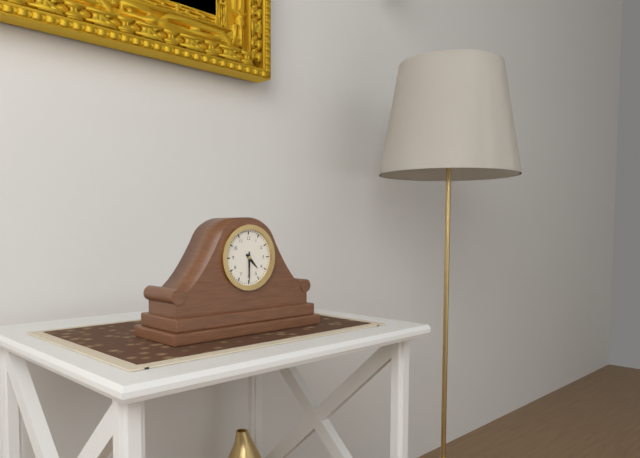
4 h 30 min
